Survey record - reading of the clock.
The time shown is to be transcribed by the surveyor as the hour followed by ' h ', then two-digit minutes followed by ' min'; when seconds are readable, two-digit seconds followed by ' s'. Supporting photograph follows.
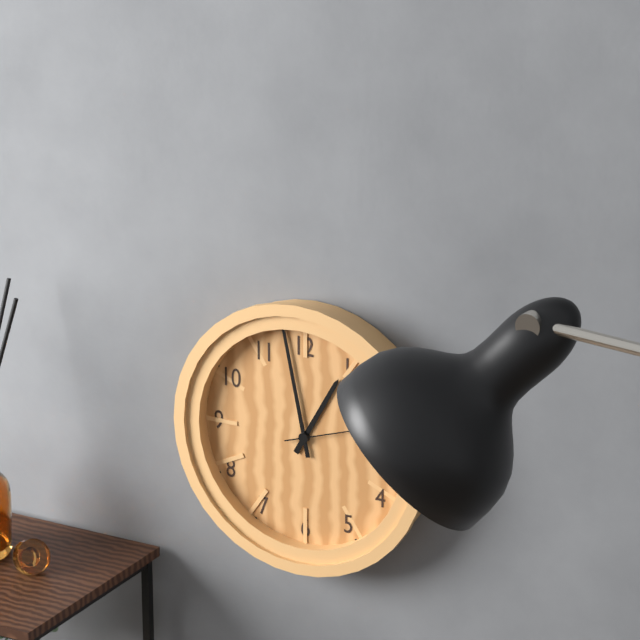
12 h 58 min
